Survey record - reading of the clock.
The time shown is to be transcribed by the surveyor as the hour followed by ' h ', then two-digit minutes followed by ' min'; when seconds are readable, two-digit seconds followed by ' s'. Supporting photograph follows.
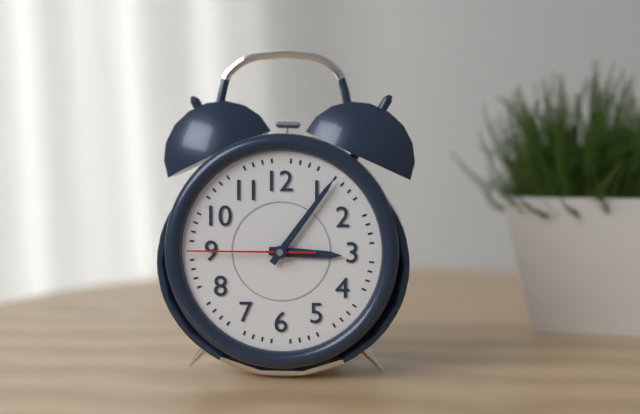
3 h 06 min 45 s
